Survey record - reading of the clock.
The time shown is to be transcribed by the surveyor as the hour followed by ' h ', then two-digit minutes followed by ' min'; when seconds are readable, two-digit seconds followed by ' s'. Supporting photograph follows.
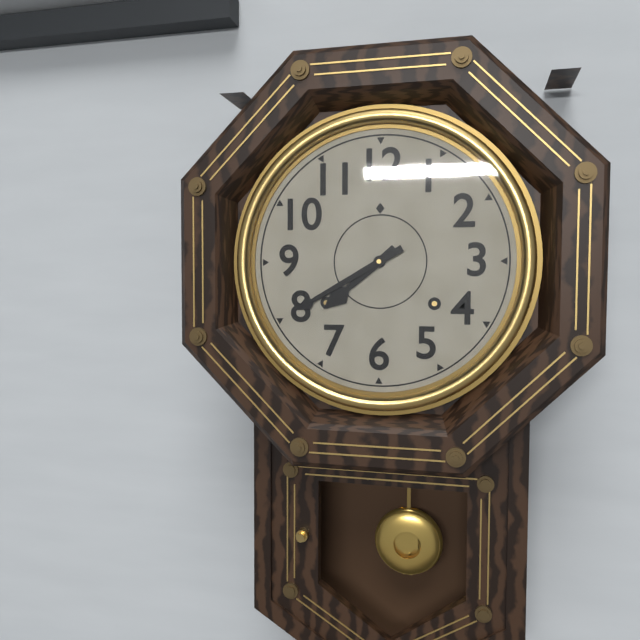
7 h 40 min
